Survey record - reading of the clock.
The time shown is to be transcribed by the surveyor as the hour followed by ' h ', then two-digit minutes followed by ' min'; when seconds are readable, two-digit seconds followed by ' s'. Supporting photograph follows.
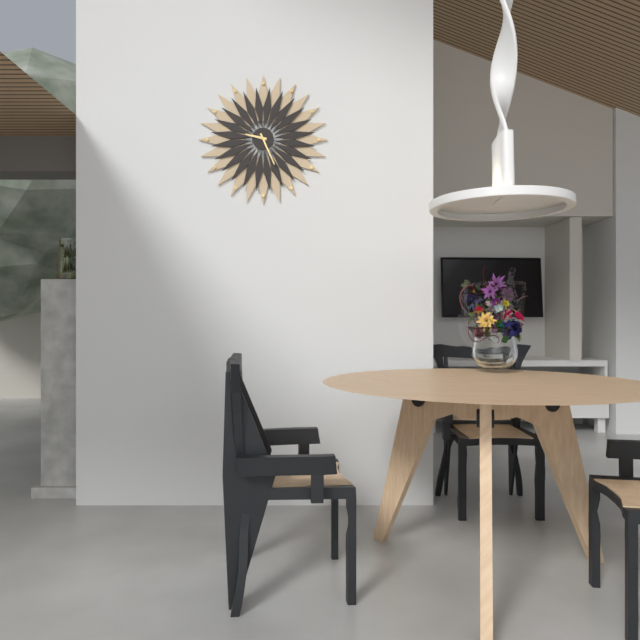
9 h 26 min
